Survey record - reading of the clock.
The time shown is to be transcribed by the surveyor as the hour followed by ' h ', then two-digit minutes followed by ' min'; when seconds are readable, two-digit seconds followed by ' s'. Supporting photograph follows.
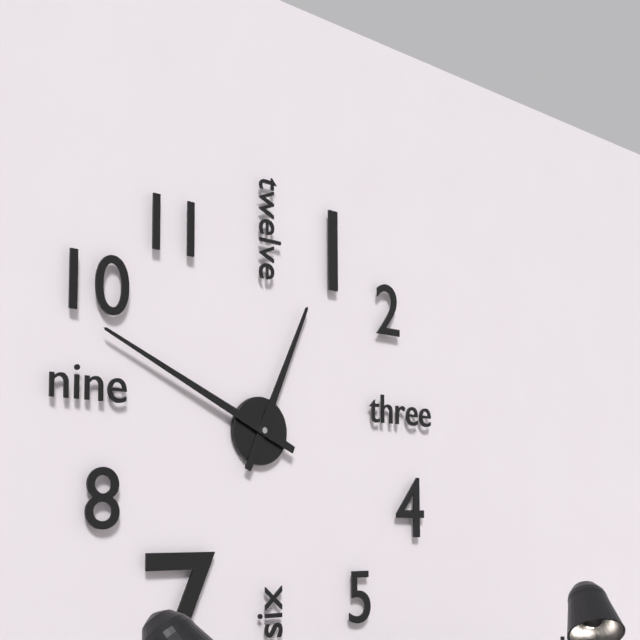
12 h 49 min
